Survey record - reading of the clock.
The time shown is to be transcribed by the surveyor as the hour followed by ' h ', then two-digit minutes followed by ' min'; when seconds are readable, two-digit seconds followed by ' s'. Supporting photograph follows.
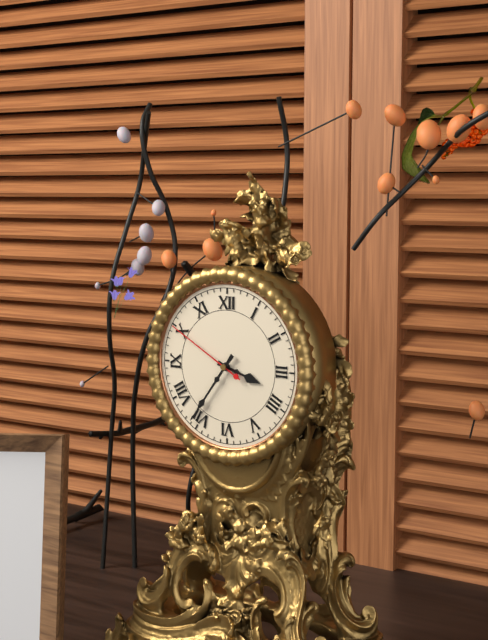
3 h 36 min 50 s
